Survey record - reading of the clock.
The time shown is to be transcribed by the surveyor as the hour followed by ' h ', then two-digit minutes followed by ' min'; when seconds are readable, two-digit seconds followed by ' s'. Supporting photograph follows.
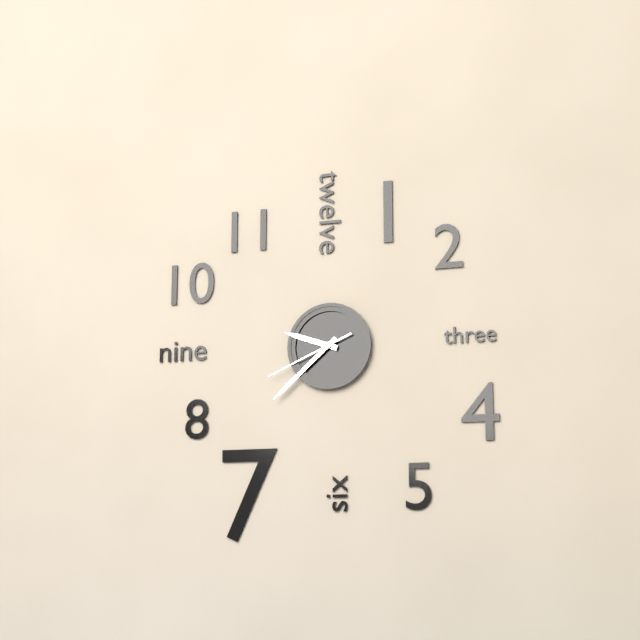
9 h 38 min 41 s
